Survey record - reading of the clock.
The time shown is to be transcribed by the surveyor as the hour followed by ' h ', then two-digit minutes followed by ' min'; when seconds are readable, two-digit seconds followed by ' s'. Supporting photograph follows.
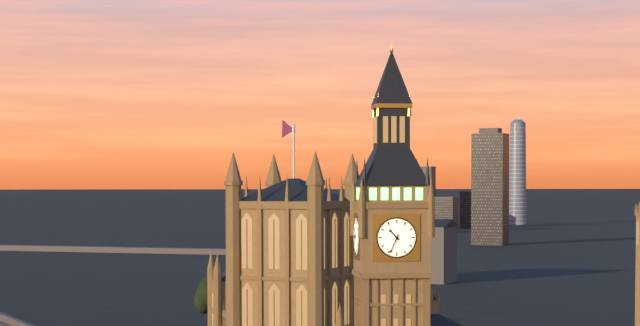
10 h 34 min
